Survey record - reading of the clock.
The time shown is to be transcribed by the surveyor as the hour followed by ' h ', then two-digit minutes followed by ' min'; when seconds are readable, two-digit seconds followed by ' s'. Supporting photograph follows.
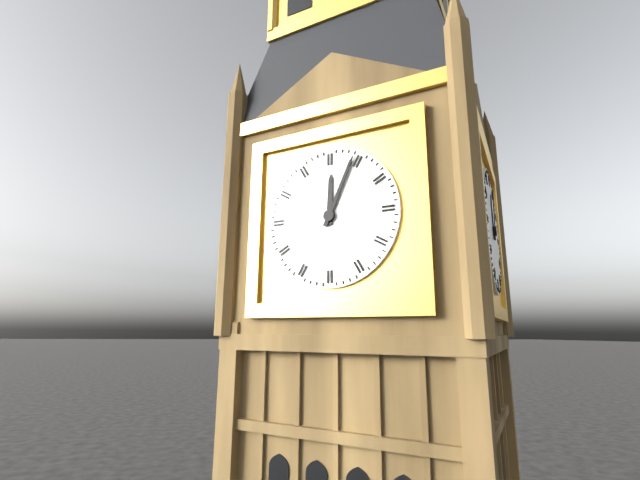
12 h 04 min
